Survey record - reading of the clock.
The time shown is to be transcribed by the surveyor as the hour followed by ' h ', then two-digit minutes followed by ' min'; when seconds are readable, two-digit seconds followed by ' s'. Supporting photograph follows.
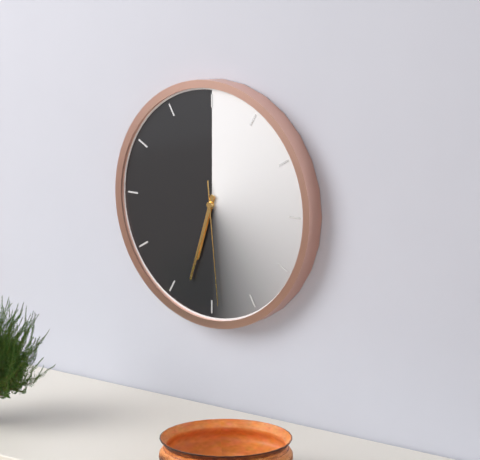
6 h 33 min 29 s
